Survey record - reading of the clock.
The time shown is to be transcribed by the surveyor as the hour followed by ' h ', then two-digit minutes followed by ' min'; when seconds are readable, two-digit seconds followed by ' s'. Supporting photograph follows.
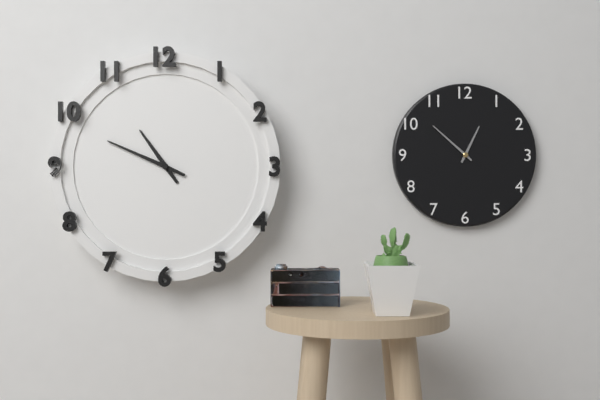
10 h 49 min
